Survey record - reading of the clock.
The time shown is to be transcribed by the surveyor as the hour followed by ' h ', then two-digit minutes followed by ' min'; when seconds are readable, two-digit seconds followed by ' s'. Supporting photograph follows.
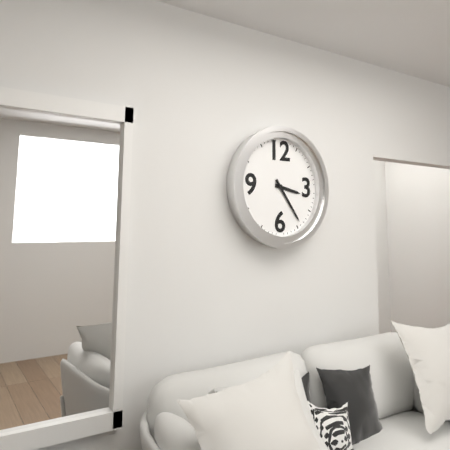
3 h 24 min
